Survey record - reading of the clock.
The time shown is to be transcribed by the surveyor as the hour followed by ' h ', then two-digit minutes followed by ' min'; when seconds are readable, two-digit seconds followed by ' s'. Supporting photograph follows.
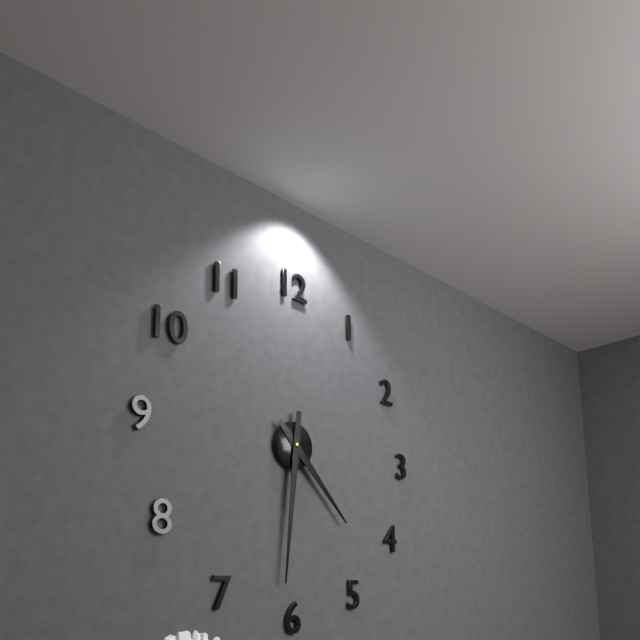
4 h 31 min
